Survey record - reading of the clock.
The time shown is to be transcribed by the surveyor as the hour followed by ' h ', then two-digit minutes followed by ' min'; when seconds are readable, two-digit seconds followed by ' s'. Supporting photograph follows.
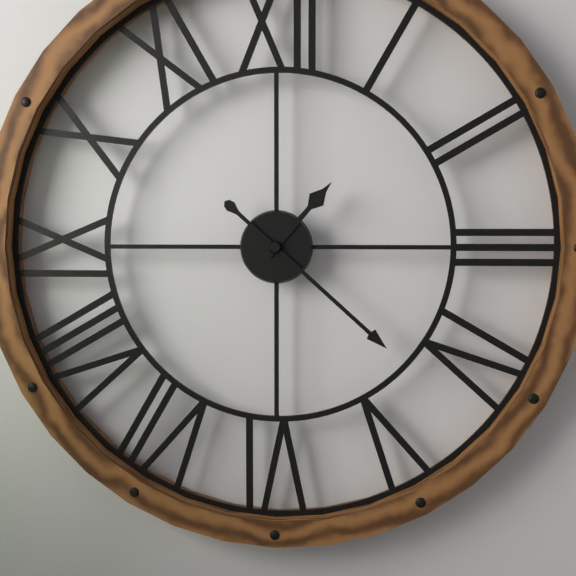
1 h 22 min
